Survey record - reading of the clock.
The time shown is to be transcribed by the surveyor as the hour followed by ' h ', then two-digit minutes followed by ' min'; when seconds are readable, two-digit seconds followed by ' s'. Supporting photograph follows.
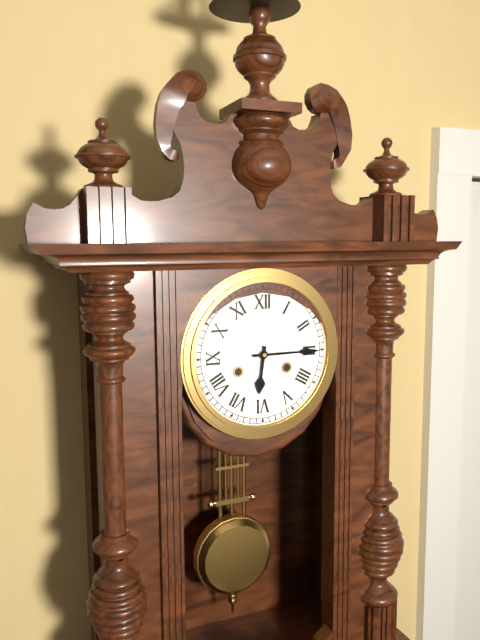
6 h 15 min
